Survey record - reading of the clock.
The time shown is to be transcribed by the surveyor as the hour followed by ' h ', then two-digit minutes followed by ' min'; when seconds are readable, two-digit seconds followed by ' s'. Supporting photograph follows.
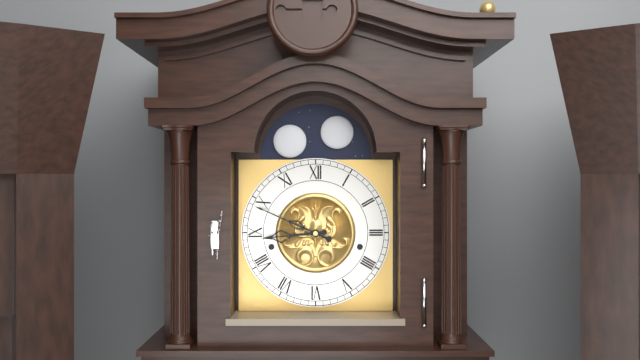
8 h 49 min
